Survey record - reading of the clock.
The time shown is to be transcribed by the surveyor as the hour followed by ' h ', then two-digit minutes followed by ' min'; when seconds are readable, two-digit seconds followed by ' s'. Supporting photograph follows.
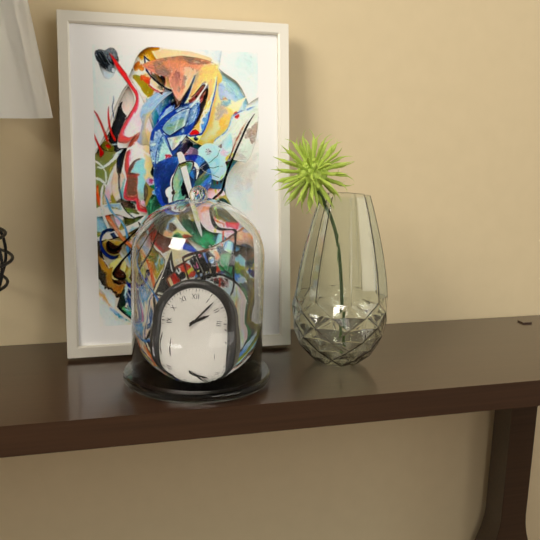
2 h 07 min
